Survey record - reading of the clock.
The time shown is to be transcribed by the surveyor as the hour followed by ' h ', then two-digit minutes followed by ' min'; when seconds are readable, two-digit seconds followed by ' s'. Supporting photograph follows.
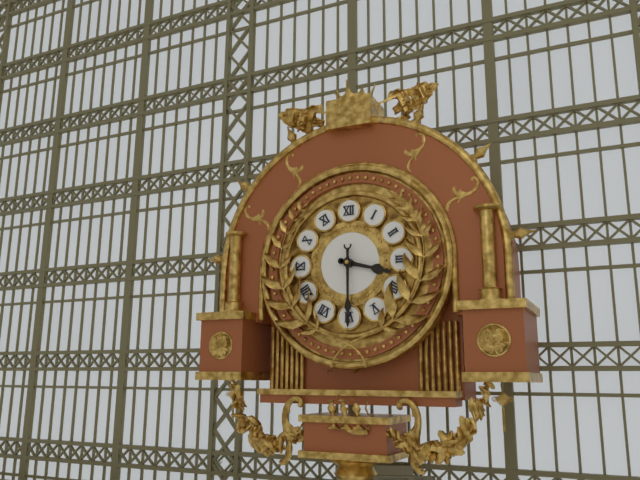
3 h 30 min
